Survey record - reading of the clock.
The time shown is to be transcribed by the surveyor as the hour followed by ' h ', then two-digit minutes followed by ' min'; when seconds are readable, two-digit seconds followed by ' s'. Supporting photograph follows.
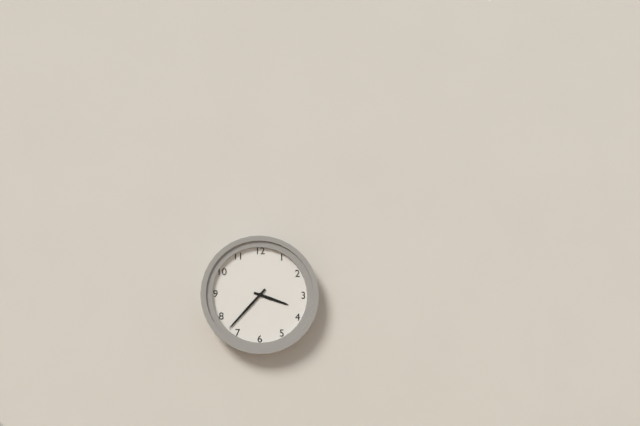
3 h 37 min
